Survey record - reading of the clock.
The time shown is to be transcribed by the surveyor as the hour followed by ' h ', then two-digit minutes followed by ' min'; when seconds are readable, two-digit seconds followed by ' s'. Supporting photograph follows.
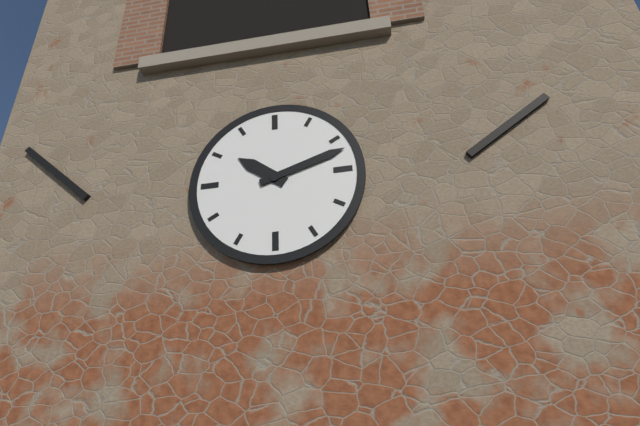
10 h 12 min
